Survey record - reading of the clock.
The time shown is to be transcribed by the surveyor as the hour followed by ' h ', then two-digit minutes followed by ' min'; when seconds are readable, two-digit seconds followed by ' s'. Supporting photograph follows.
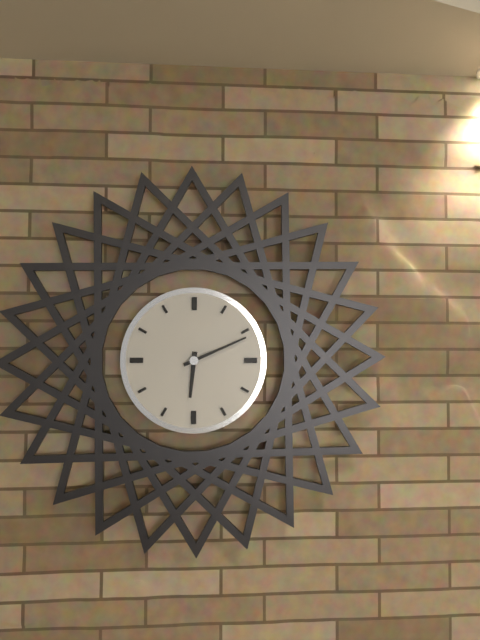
6 h 11 min
